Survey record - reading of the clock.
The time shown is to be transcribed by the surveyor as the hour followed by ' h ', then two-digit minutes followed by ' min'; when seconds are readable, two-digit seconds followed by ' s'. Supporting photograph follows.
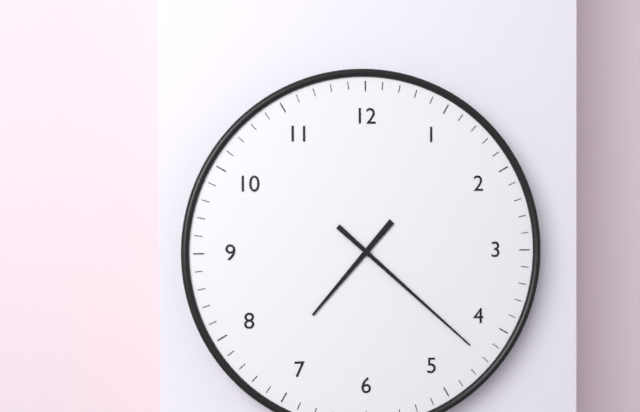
7 h 22 min
